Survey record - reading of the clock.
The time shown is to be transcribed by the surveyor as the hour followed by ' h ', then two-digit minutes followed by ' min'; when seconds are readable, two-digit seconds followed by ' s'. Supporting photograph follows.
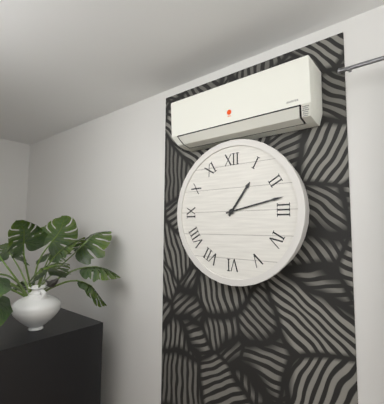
1 h 13 min
